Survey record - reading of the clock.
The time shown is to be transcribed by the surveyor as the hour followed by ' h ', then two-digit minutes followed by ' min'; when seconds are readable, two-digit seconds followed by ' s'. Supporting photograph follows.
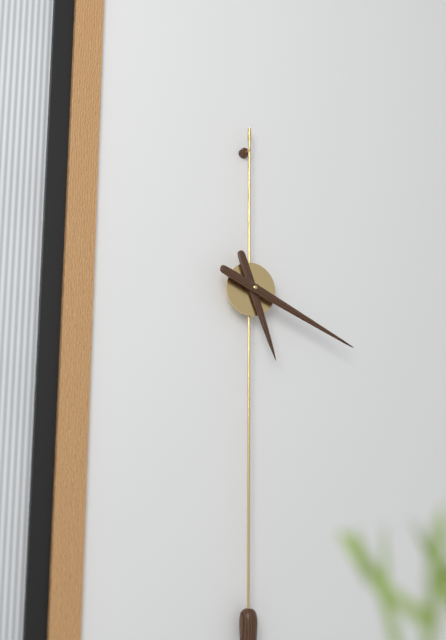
5 h 19 min
